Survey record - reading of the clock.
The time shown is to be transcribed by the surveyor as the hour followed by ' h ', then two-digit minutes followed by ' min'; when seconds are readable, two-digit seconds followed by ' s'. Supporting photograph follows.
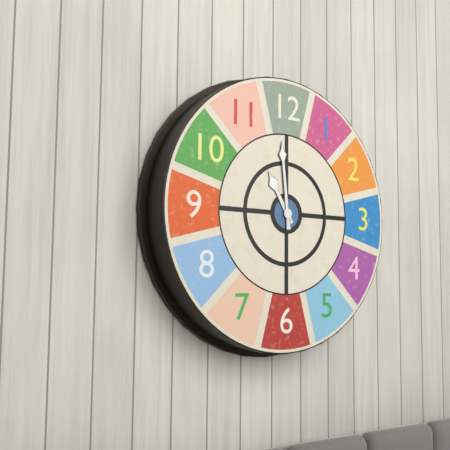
10 h 59 min
